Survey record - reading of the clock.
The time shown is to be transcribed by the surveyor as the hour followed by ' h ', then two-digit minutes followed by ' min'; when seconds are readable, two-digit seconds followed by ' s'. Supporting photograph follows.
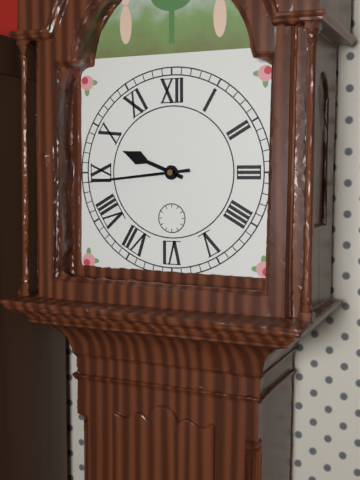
9 h 44 min
